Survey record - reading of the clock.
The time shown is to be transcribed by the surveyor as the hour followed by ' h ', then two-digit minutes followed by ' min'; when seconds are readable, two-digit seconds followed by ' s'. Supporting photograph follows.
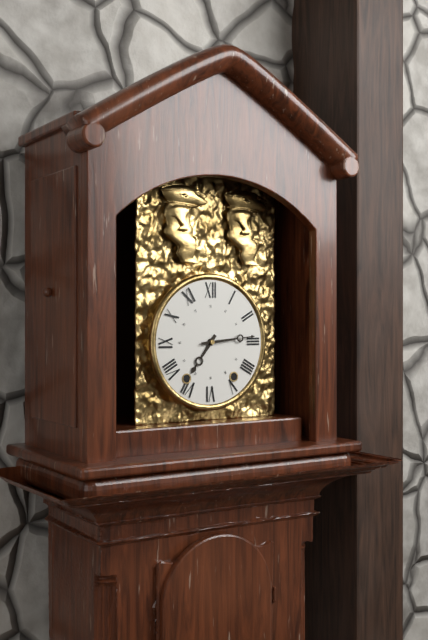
7 h 14 min
